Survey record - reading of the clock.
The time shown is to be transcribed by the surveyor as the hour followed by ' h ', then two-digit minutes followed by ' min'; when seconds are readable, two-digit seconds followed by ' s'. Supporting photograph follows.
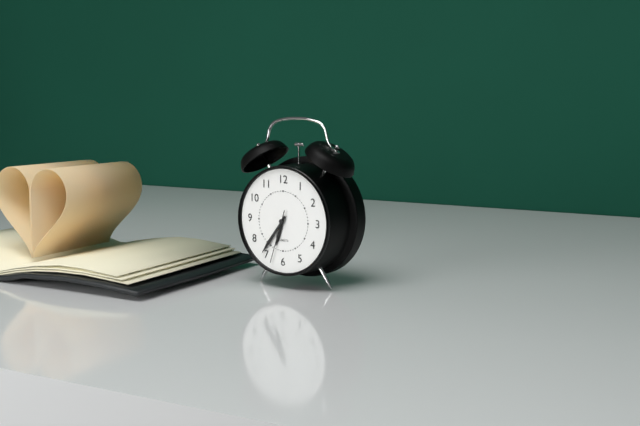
6 h 36 min 33 s
